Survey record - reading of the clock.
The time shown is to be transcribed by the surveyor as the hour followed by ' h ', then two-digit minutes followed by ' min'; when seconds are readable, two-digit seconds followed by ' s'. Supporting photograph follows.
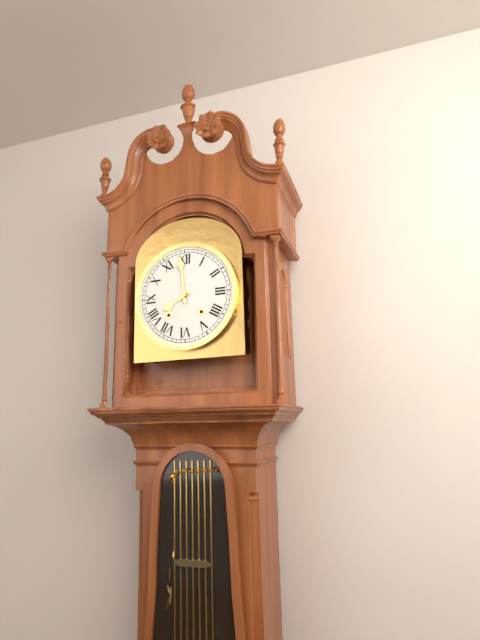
7 h 59 min
